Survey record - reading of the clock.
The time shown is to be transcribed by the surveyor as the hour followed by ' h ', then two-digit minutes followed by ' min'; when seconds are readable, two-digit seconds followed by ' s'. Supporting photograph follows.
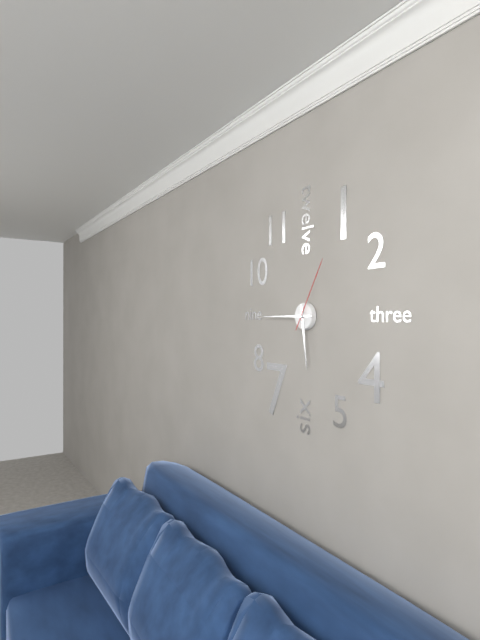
5 h 45 min 05 s
